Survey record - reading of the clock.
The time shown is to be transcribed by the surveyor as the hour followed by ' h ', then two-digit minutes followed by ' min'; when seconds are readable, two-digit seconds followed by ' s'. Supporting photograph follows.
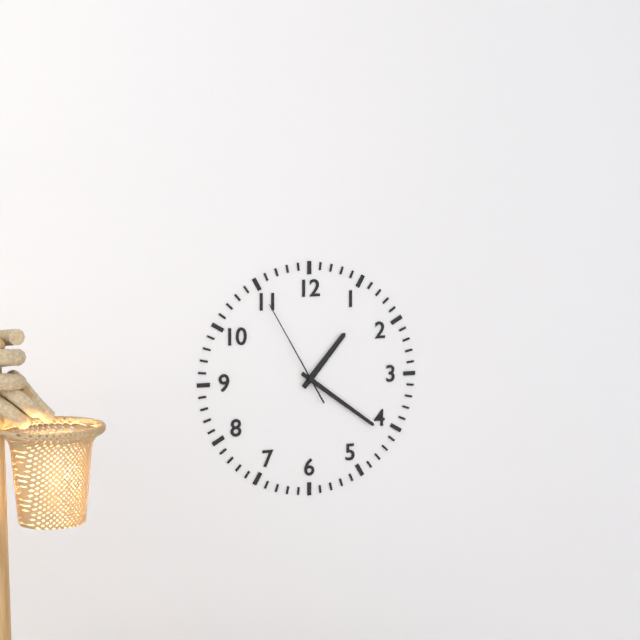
1 h 21 min 55 s
